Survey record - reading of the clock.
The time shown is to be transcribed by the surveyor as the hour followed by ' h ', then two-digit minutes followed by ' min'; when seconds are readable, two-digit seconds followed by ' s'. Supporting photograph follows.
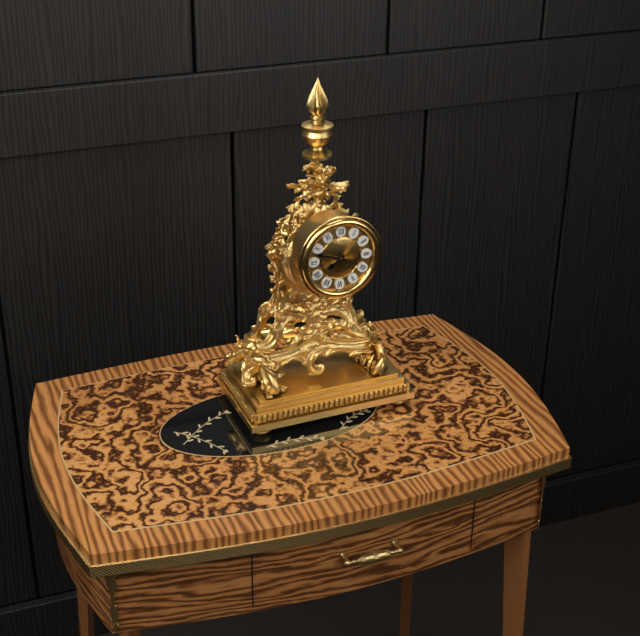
7 h 48 min
